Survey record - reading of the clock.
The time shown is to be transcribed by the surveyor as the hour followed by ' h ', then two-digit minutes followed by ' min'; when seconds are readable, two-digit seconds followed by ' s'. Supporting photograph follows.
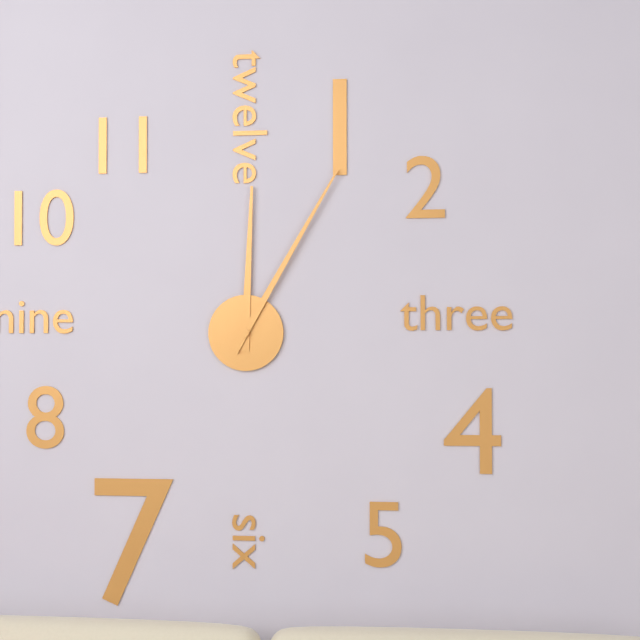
12 h 05 min
